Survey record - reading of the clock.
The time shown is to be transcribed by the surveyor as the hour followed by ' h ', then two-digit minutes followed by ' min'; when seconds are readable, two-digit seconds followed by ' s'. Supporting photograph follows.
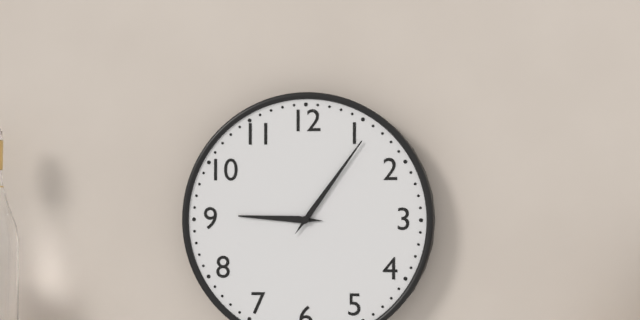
9 h 06 min
